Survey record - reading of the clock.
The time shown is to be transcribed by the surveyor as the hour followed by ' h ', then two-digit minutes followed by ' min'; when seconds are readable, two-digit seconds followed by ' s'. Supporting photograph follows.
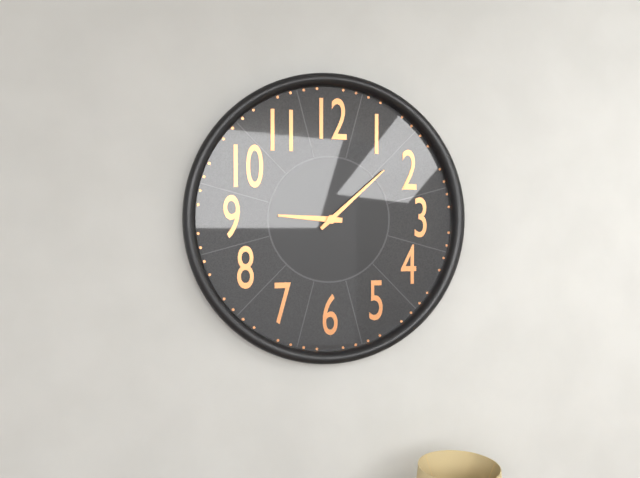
9 h 08 min
